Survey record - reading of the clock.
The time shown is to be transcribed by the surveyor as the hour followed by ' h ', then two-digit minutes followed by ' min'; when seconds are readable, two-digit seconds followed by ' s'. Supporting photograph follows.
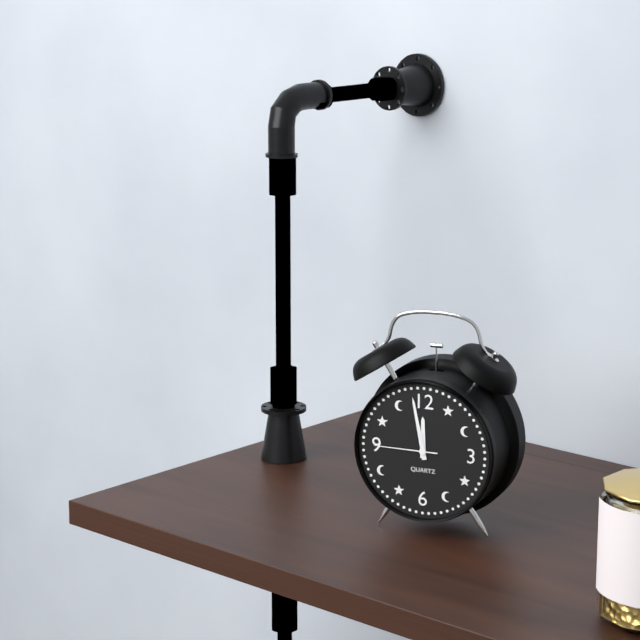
11 h 58 min 45 s
